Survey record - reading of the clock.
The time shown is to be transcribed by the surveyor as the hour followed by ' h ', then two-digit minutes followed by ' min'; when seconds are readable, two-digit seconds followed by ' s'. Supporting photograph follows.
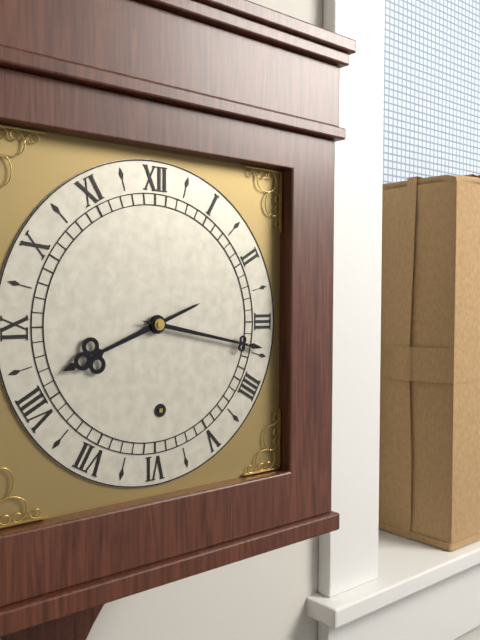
8 h 17 min
